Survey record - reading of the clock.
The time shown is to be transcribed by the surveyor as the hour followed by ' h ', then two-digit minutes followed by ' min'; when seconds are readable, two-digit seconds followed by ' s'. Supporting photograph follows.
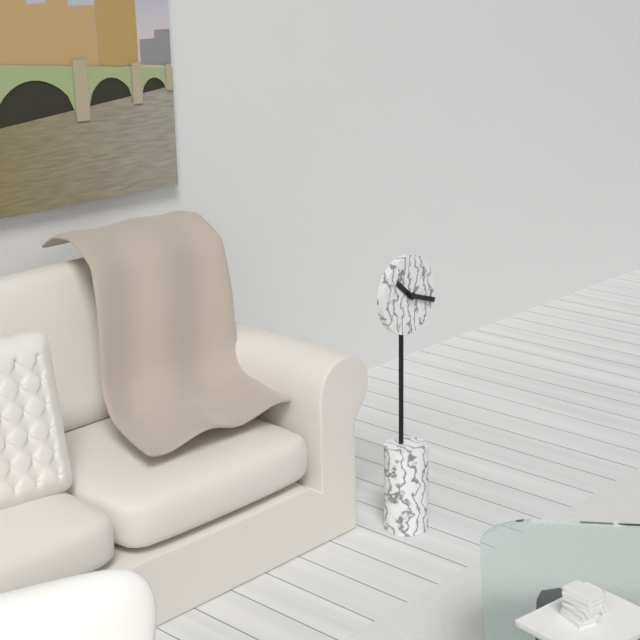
10 h 18 min
